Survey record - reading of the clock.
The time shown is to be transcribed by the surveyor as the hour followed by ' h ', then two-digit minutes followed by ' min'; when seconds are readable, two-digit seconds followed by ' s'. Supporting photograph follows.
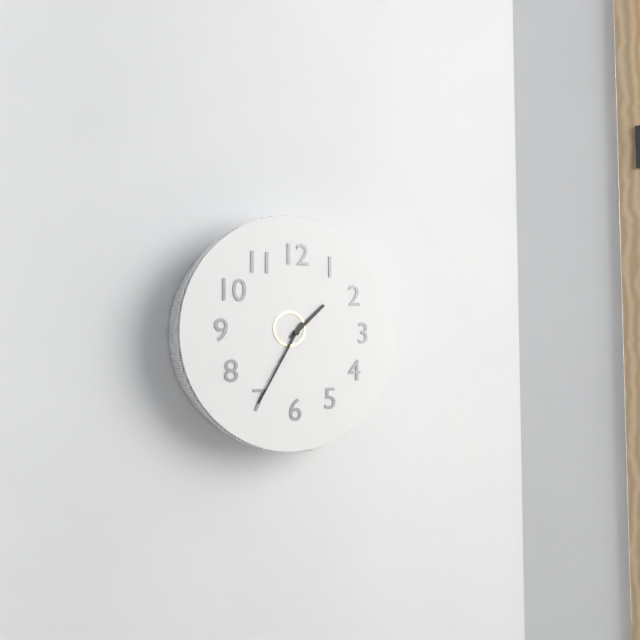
1 h 35 min
